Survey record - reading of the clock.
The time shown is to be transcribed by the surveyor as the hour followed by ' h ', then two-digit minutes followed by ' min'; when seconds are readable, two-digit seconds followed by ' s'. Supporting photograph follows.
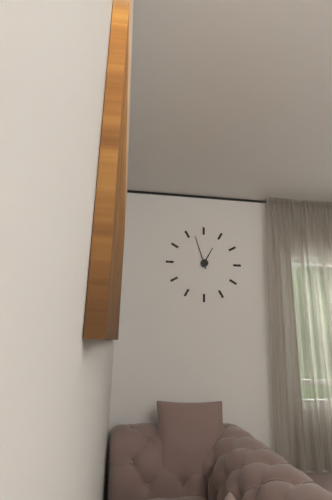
12 h 57 min
